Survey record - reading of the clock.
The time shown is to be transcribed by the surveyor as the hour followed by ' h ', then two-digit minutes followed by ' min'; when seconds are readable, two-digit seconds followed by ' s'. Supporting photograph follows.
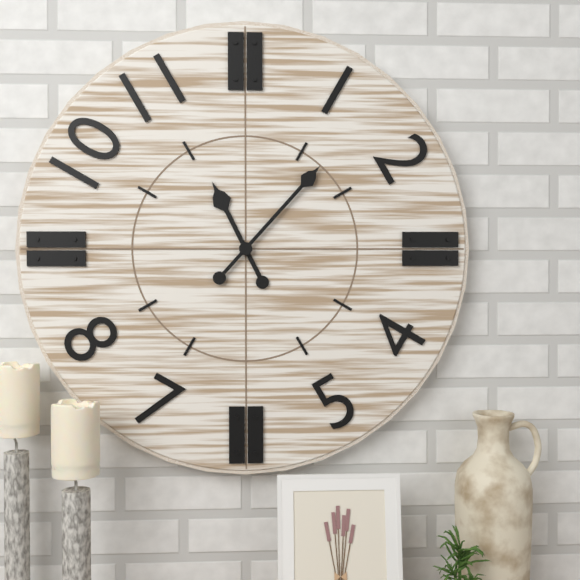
11 h 07 min
